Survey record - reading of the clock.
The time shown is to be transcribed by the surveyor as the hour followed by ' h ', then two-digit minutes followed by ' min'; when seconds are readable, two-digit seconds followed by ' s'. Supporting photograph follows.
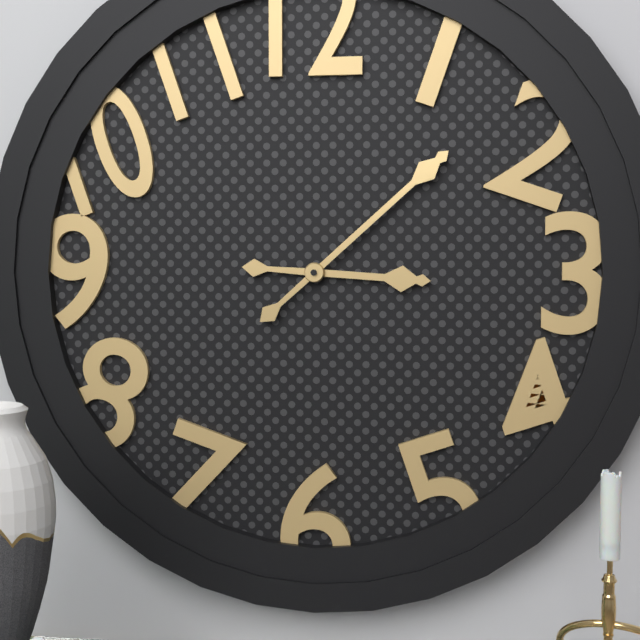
3 h 08 min
